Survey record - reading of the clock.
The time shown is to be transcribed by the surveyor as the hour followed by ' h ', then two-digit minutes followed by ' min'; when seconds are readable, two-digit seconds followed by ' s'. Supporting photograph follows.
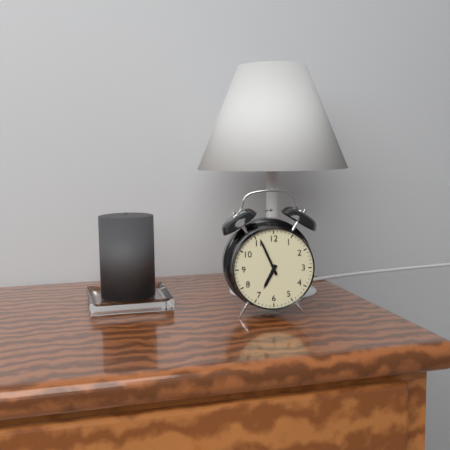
6 h 56 min
